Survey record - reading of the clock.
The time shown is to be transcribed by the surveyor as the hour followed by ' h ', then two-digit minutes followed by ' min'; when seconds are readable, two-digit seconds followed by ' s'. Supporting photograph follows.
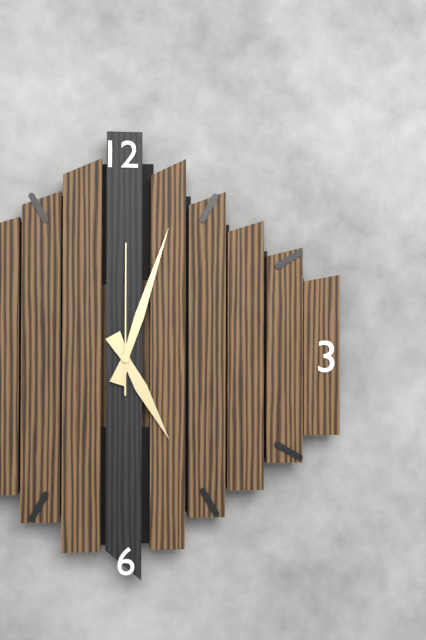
5 h 03 min 00 s
